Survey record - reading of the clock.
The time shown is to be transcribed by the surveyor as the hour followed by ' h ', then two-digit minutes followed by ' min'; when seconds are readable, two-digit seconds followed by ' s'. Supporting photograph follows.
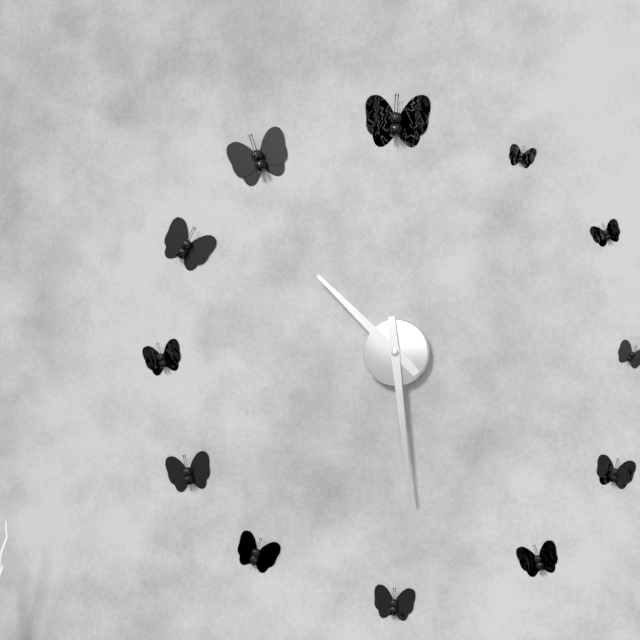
10 h 29 min
